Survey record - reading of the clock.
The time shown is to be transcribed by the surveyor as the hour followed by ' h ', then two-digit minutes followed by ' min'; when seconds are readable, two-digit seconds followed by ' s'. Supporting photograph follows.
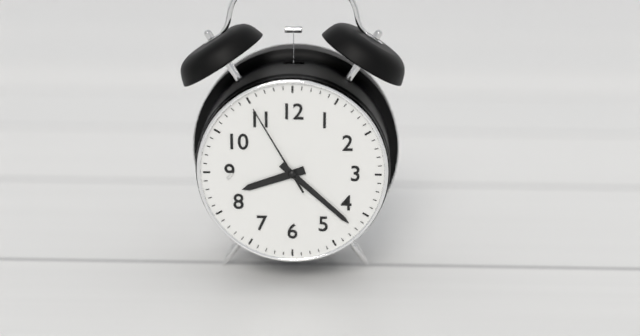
8 h 22 min 55 s
